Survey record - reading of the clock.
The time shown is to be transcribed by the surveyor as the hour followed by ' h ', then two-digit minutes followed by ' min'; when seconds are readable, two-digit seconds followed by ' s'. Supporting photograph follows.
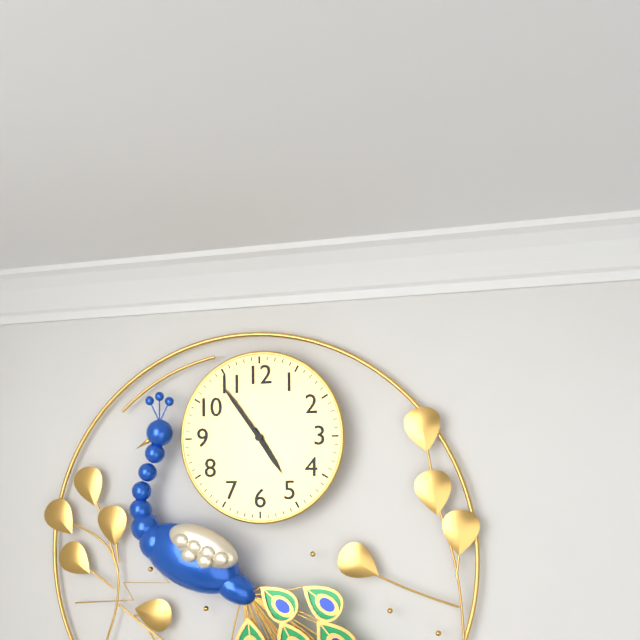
4 h 54 min
